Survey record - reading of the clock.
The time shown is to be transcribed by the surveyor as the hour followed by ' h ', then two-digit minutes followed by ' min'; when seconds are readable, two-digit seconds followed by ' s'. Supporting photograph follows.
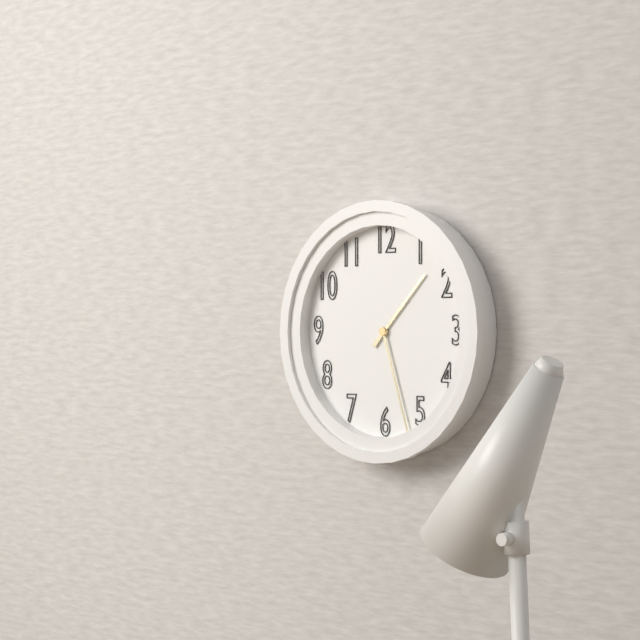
1 h 27 min
